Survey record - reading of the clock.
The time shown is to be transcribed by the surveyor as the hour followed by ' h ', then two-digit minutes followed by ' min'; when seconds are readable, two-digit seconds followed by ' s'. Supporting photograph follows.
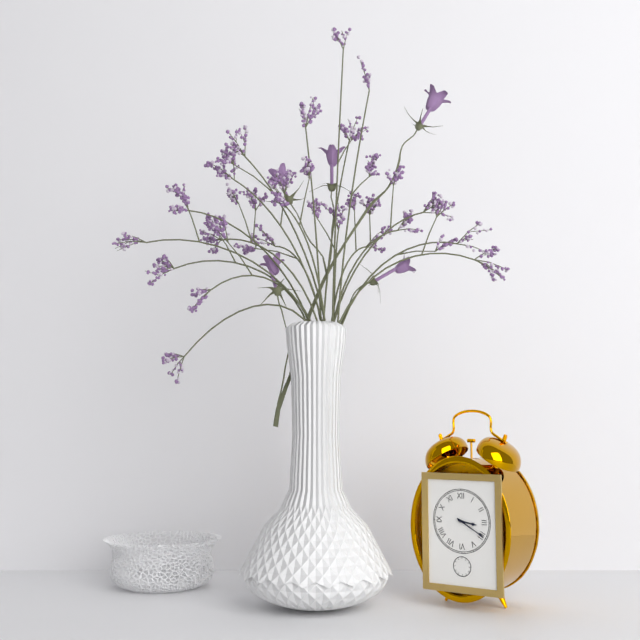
3 h 20 min
